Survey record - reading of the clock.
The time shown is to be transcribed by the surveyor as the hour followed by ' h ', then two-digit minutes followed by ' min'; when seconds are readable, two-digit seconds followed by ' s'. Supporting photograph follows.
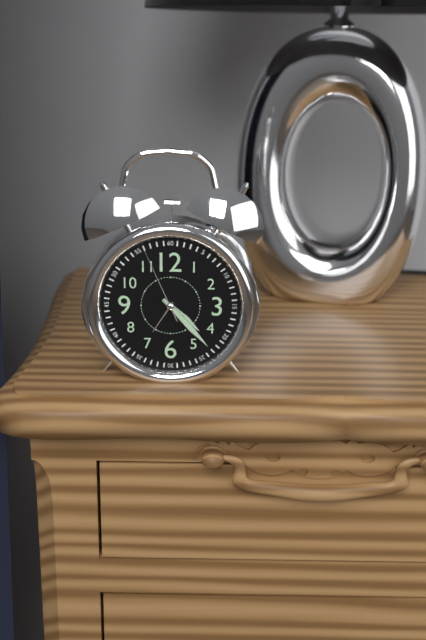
4 h 23 min 56 s
